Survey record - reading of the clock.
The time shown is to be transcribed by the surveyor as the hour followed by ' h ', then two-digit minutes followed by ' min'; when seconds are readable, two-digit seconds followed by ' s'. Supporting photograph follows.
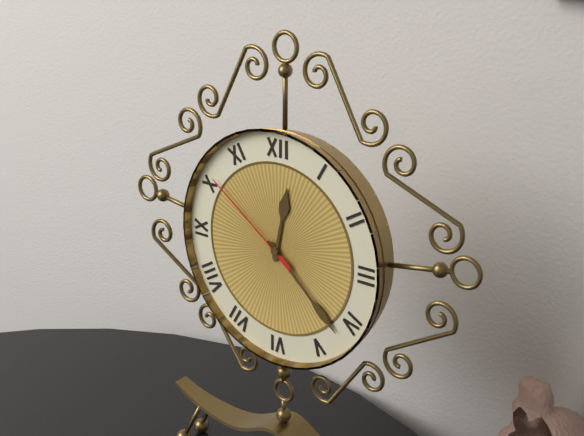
12 h 22 min 51 s
